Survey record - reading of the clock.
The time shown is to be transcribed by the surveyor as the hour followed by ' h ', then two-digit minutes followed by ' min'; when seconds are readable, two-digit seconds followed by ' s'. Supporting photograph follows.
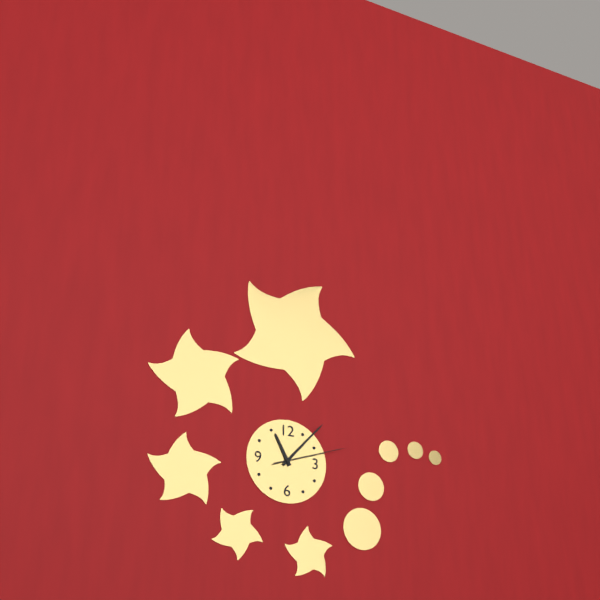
11 h 07 min 12 s
